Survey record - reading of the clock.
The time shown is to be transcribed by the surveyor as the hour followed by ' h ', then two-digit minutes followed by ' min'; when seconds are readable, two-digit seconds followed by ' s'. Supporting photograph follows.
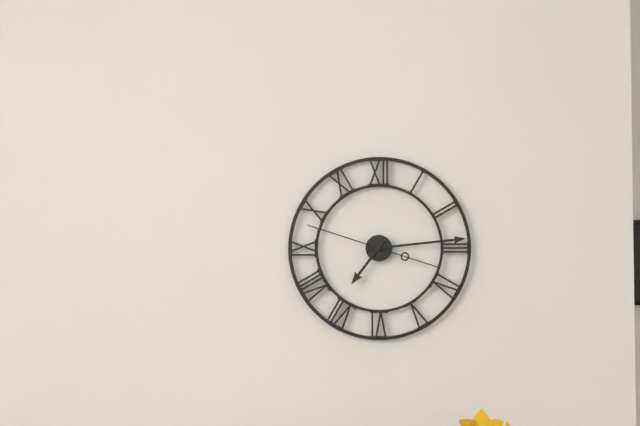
7 h 14 min 48 s
